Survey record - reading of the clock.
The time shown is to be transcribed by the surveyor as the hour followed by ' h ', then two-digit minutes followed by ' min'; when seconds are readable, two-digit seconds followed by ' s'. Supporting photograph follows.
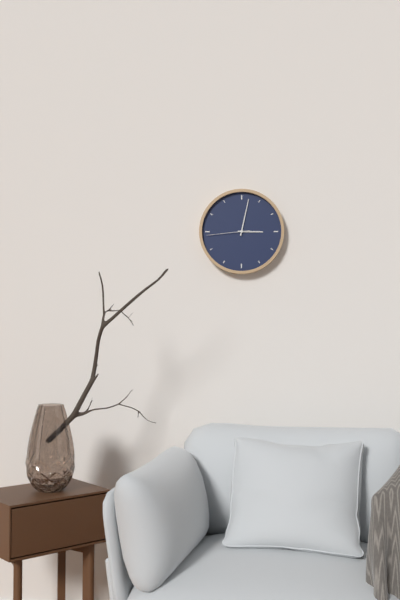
3 h 02 min
